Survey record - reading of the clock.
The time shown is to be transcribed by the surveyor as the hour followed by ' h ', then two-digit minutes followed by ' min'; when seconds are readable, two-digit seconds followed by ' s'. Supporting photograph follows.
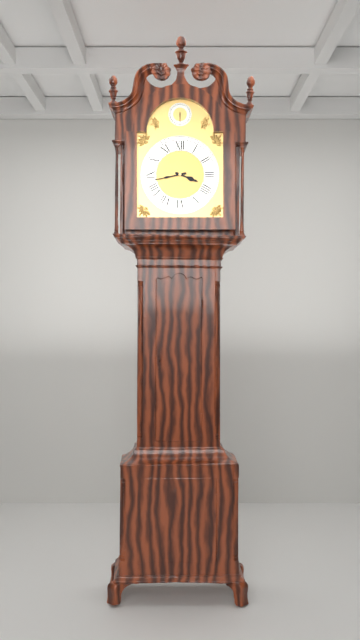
3 h 43 min
